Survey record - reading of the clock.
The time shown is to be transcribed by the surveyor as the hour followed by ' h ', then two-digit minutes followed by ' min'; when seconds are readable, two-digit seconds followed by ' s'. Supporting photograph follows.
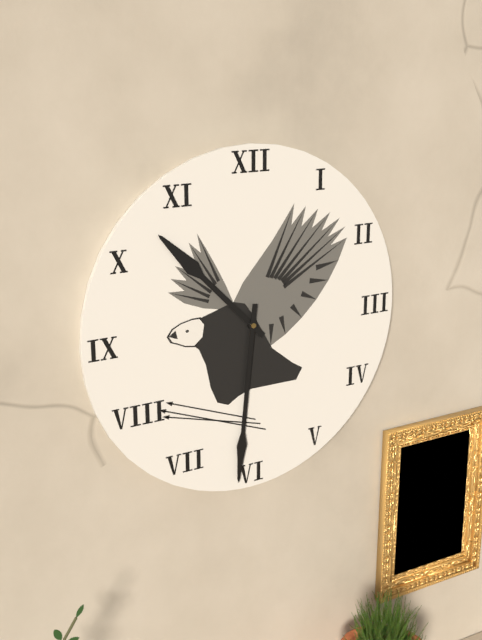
10 h 31 min
